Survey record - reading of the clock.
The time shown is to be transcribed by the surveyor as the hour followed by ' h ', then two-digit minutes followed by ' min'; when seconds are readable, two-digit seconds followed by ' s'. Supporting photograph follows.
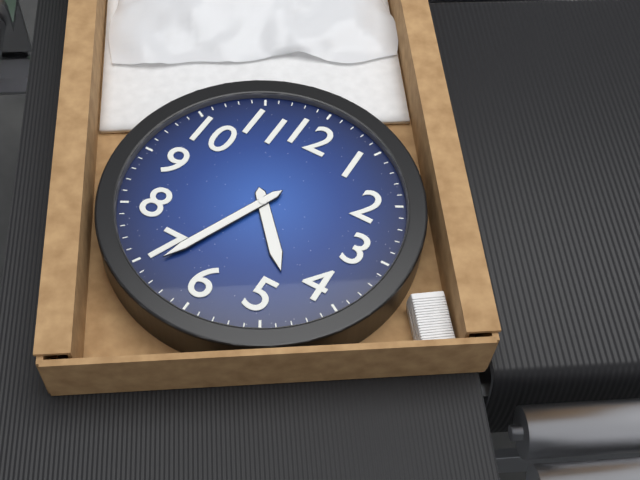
4 h 34 min
